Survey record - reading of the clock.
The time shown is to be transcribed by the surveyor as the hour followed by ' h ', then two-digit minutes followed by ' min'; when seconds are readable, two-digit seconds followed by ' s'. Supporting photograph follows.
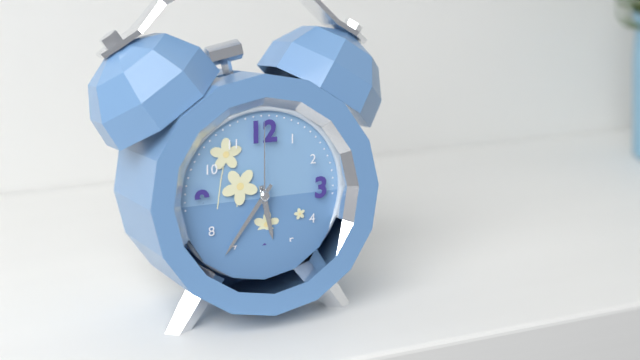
5 h 36 min 00 s
